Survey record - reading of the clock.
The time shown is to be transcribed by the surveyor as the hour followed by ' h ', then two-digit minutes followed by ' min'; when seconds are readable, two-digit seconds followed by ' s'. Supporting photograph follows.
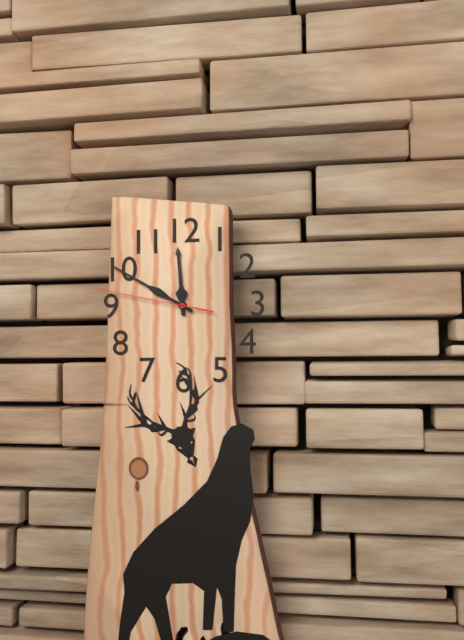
11 h 50 min 47 s
